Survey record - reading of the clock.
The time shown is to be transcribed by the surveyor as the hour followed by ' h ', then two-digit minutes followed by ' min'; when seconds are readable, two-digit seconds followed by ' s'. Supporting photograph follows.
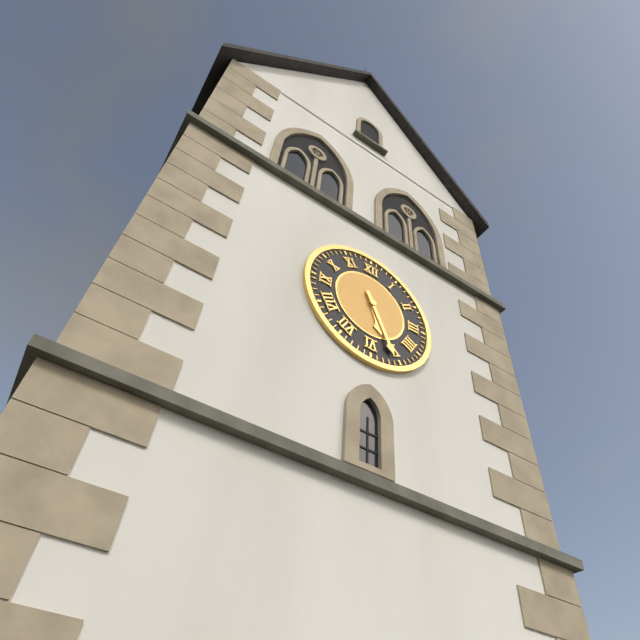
5 h 26 min
